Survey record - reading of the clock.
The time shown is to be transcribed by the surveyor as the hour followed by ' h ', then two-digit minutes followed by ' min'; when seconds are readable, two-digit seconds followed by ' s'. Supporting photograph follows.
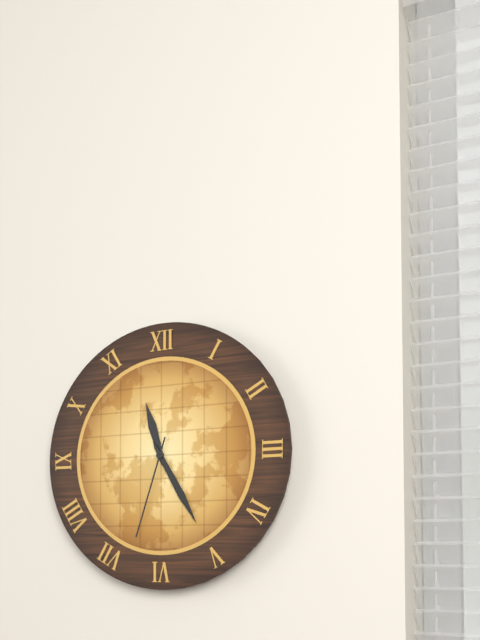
11 h 25 min 33 s
